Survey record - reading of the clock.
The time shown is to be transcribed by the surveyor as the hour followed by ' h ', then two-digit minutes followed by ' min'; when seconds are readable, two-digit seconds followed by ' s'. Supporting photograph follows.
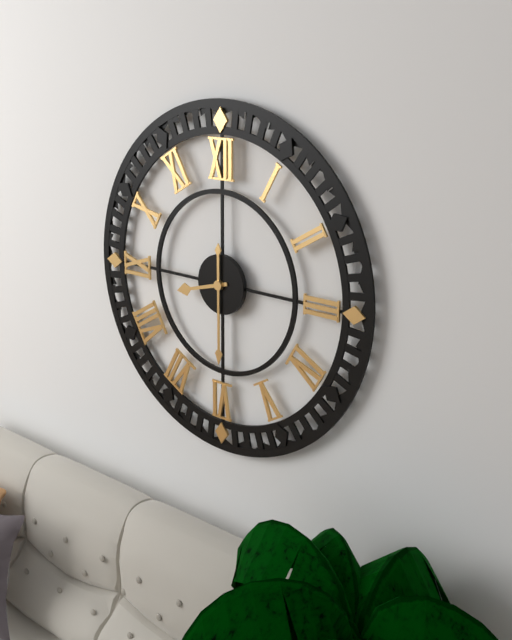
8 h 30 min
